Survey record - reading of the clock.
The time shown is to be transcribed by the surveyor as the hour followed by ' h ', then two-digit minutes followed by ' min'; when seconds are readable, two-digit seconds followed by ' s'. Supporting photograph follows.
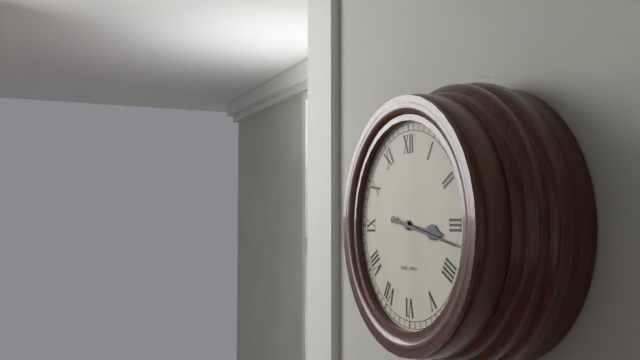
3 h 17 min
